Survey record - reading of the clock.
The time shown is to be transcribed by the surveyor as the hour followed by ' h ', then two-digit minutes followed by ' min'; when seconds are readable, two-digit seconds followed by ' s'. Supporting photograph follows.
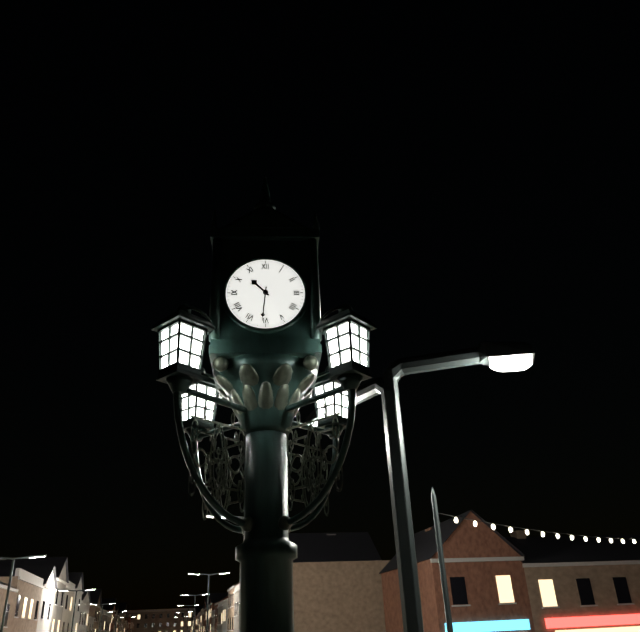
10 h 31 min
